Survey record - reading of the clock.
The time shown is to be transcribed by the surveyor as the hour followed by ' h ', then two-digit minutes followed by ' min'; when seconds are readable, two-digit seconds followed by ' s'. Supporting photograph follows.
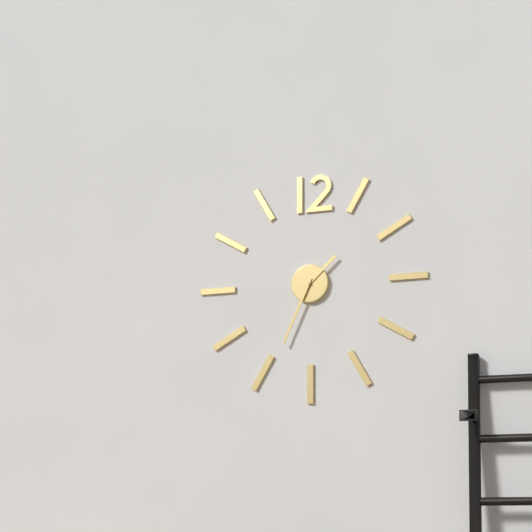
1 h 34 min
